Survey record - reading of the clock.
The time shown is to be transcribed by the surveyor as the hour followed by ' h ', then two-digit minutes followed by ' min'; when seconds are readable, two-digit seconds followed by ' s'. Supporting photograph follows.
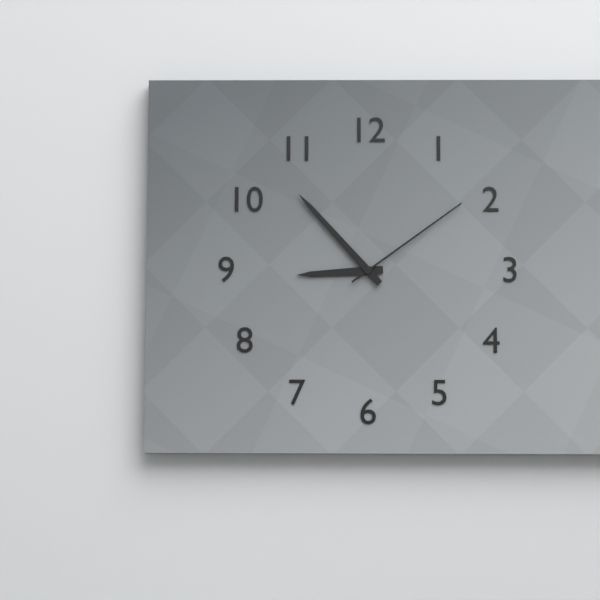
8 h 53 min 09 s
